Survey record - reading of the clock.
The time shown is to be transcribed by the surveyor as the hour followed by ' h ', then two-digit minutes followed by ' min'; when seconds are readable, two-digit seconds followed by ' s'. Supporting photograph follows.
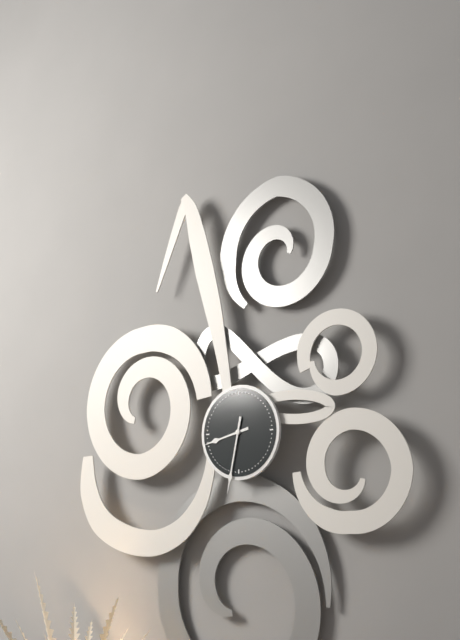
8 h 32 min
